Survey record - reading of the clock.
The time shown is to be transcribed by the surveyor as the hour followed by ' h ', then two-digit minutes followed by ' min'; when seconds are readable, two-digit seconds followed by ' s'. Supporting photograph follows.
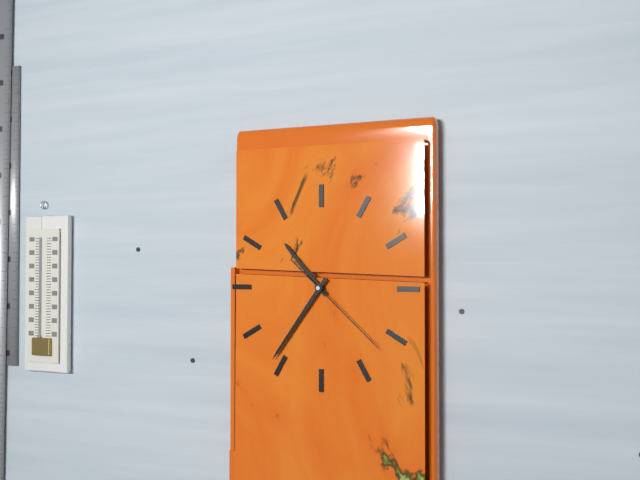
10 h 36 min 22 s
